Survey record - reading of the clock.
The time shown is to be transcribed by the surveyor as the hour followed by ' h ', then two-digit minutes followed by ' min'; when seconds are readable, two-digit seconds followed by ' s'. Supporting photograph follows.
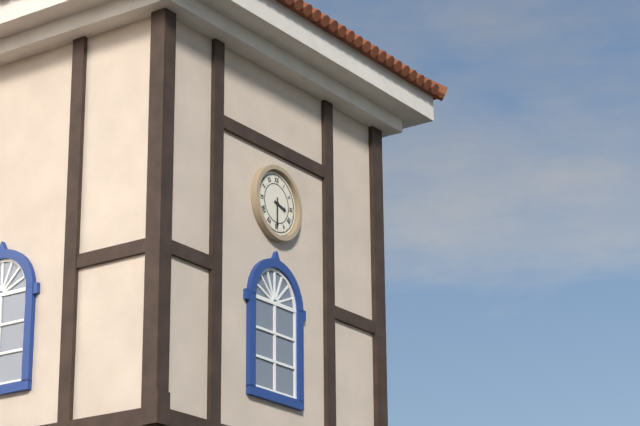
3 h 30 min
